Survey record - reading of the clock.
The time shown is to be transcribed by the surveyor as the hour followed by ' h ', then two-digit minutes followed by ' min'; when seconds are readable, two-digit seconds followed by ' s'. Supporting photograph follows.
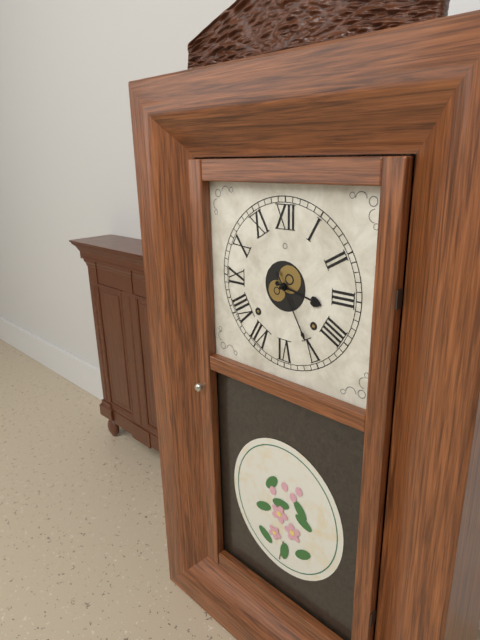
3 h 25 min
